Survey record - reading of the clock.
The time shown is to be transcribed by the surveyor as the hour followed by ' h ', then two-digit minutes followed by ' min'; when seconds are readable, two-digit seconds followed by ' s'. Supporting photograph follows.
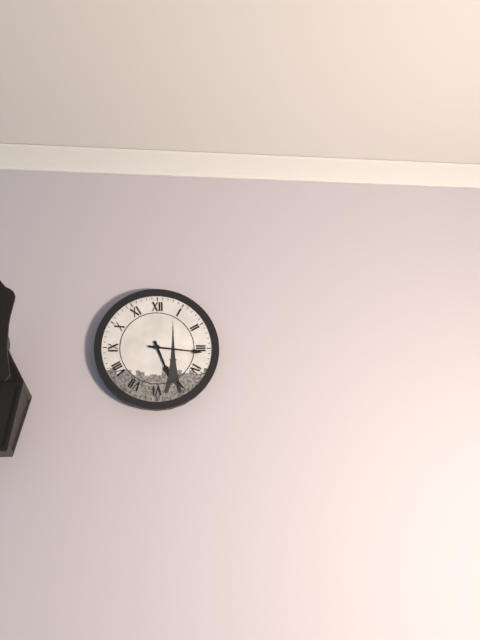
5 h 16 min
